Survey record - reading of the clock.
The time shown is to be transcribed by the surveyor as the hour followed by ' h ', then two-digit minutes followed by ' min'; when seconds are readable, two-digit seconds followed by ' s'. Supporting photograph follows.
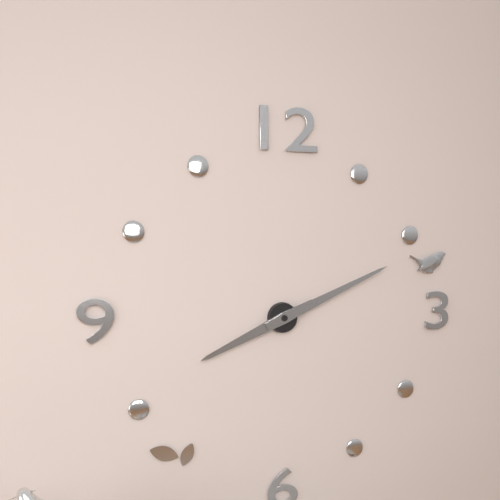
8 h 11 min
